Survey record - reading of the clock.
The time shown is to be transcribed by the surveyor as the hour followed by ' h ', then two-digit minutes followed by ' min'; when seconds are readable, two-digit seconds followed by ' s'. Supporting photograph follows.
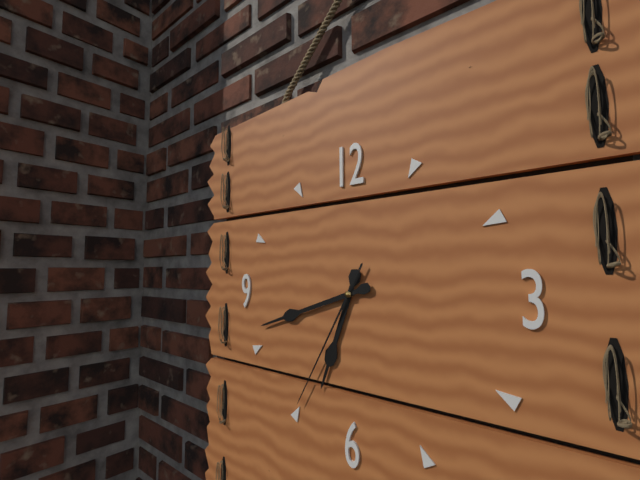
6 h 42 min 35 s
